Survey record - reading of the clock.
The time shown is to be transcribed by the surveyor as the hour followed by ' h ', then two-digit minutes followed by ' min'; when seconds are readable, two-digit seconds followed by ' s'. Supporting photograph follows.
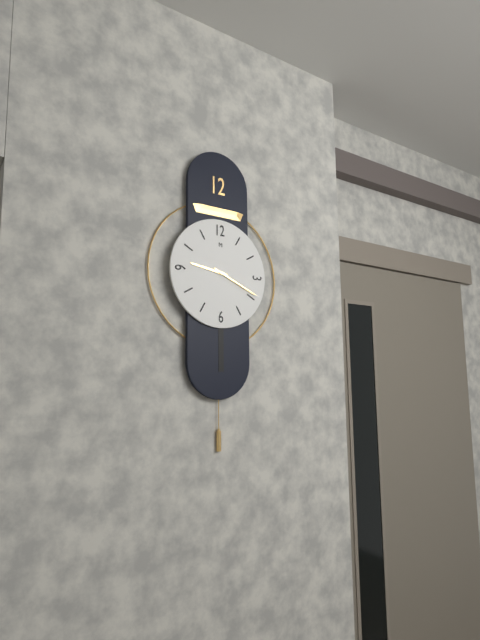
9 h 19 min
